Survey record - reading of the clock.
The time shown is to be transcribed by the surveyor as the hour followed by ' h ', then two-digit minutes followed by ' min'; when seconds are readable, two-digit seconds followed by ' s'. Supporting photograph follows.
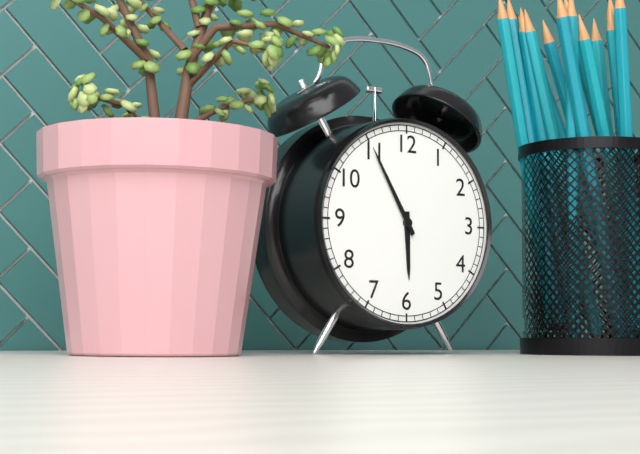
5 h 55 min
